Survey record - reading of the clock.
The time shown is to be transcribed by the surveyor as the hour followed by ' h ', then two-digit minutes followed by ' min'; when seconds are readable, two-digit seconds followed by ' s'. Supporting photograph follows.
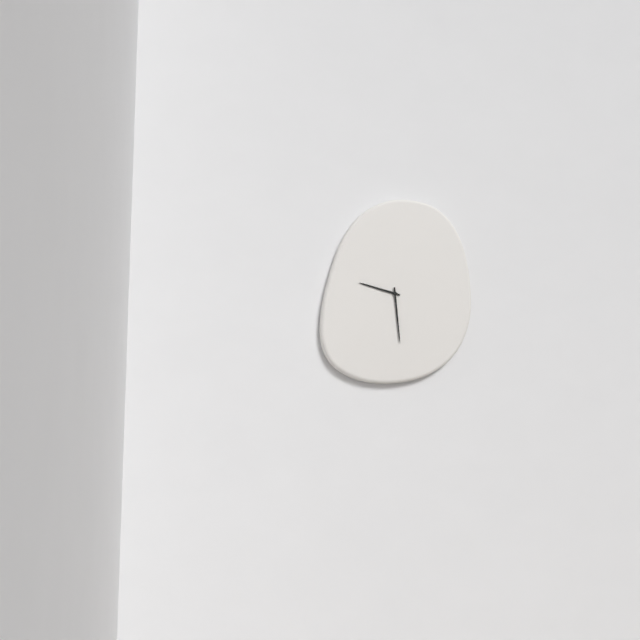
9 h 29 min
